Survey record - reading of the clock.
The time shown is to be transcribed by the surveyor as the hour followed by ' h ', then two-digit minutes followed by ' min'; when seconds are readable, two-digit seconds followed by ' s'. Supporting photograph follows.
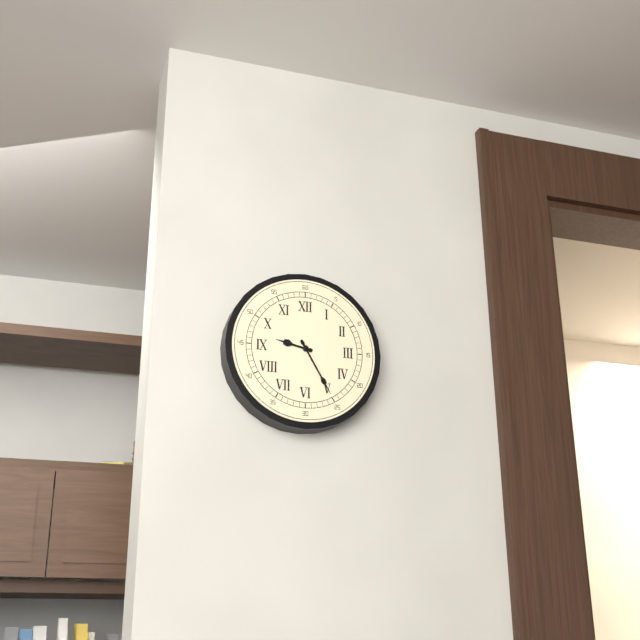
9 h 25 min
